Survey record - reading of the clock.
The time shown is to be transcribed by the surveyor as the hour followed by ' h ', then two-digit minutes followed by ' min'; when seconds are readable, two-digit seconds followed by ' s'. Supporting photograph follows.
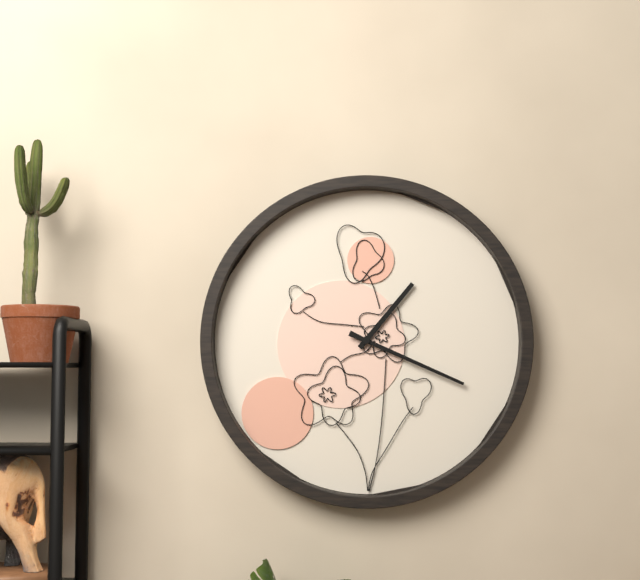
1 h 19 min
